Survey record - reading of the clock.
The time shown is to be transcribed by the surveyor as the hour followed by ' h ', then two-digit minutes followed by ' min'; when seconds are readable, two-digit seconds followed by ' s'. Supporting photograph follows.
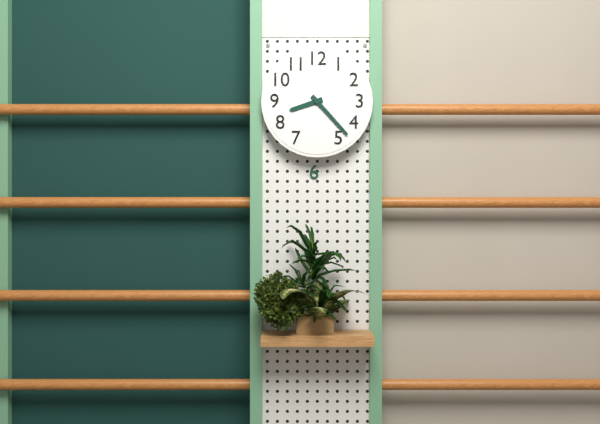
8 h 23 min
